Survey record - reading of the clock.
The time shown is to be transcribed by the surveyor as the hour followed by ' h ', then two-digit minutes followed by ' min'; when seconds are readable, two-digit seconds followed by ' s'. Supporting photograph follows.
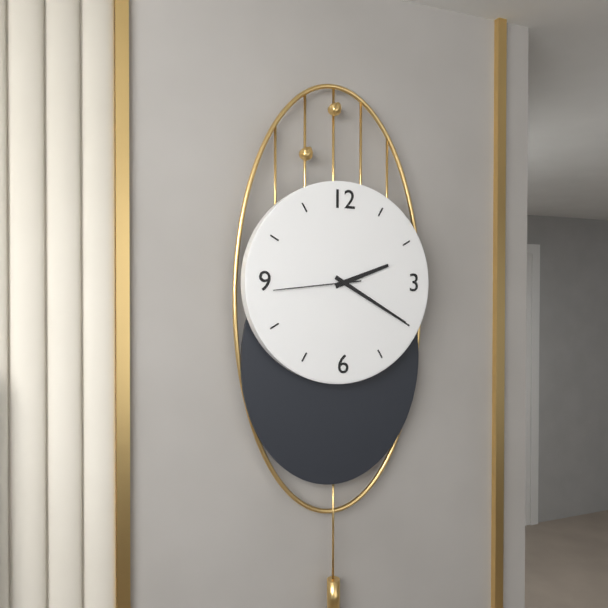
2 h 20 min 44 s
